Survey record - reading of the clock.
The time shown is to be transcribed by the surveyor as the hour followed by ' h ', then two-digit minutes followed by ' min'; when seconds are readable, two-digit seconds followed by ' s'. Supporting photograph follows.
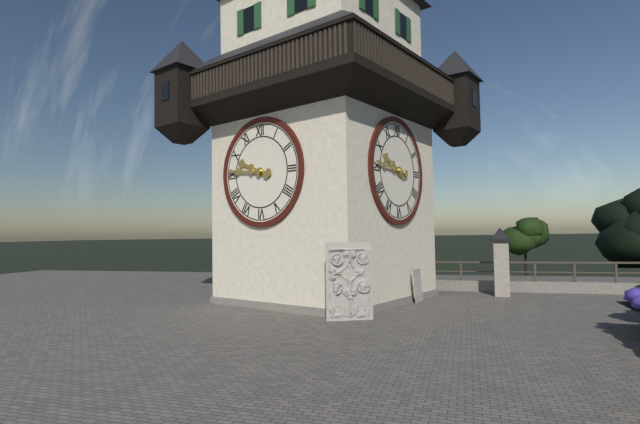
9 h 46 min
